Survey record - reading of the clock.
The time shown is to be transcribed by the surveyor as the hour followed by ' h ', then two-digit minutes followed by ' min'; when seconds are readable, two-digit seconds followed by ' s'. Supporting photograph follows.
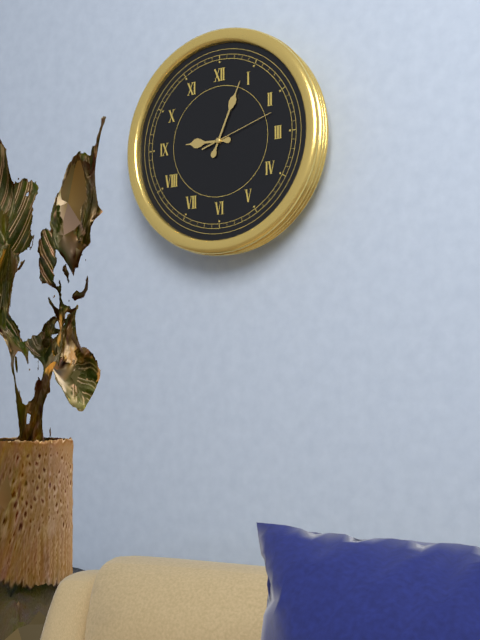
9 h 04 min 12 s
